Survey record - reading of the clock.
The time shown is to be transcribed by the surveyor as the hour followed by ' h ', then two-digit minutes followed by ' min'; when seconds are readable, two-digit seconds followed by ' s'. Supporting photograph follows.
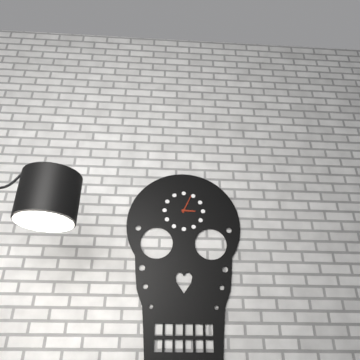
3 h 04 min
